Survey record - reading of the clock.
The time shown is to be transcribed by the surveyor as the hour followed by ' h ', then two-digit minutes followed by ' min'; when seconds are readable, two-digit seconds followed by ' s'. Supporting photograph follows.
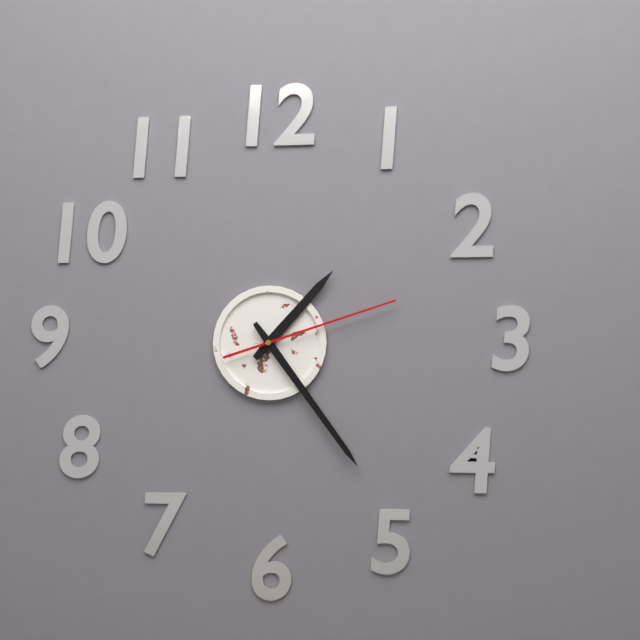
1 h 24 min 12 s
